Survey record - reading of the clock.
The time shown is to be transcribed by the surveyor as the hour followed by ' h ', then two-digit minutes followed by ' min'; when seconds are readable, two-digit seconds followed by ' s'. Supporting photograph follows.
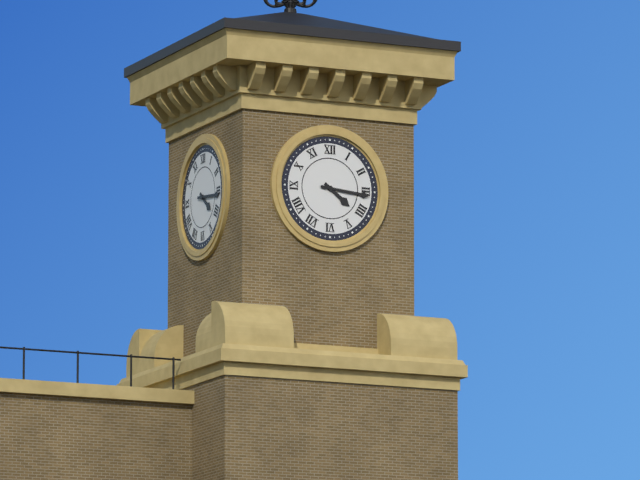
4 h 16 min
